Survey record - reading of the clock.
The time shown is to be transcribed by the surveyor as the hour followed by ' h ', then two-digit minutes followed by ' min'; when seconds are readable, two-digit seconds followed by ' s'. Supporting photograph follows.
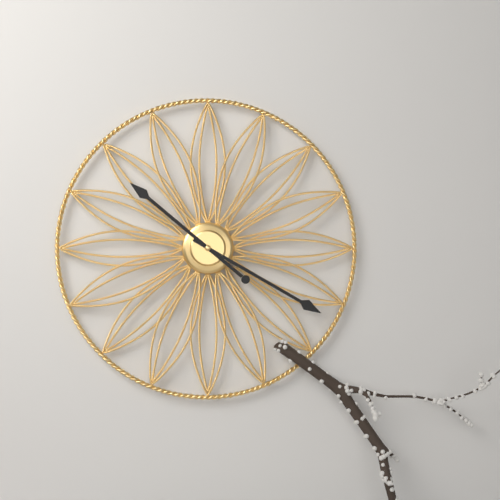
10 h 20 min
